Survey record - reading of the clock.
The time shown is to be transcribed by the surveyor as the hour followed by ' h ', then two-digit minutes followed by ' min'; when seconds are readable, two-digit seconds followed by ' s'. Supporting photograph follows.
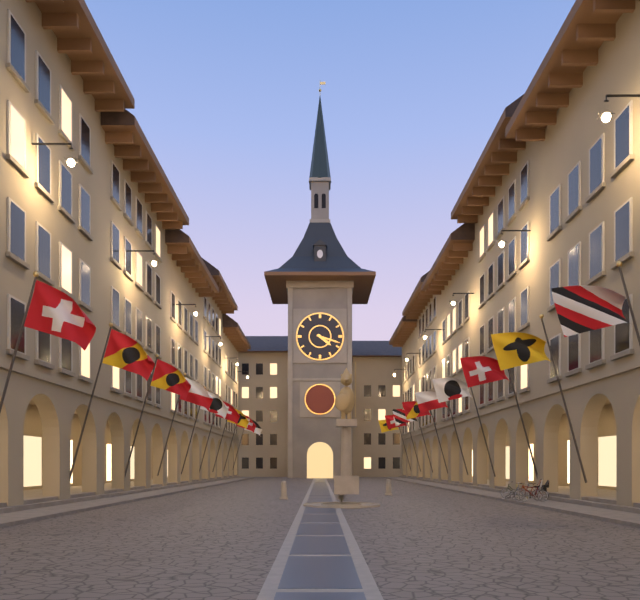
4 h 18 min
